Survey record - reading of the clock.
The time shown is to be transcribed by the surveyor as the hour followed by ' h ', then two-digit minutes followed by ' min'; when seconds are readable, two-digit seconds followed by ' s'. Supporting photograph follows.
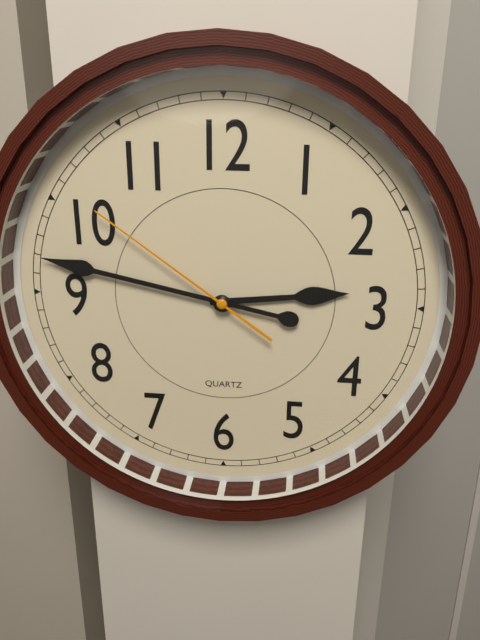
2 h 47 min 51 s
